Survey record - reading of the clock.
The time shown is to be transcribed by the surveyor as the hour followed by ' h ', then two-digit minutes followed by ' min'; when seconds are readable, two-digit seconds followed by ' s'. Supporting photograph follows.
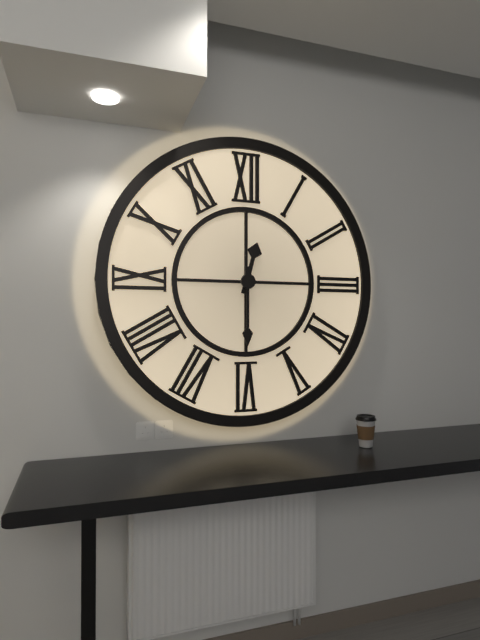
12 h 30 min
